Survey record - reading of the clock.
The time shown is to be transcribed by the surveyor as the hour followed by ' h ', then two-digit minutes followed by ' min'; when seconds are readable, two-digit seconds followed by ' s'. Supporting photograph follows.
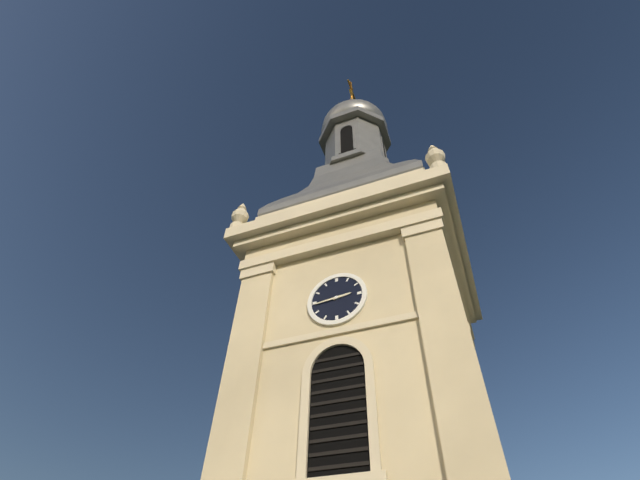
2 h 44 min
